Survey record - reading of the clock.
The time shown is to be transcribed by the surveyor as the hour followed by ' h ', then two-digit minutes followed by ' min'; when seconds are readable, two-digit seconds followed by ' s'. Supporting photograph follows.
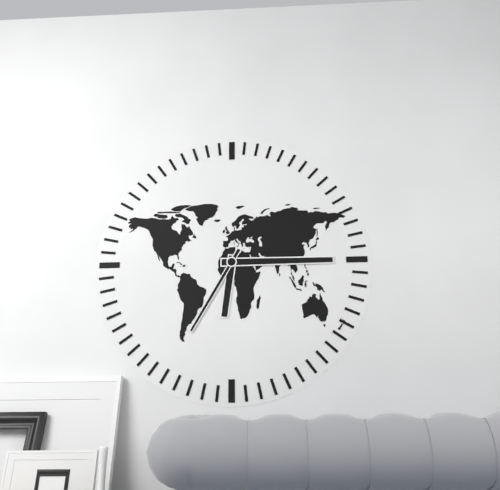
6 h 15 min 35 s
